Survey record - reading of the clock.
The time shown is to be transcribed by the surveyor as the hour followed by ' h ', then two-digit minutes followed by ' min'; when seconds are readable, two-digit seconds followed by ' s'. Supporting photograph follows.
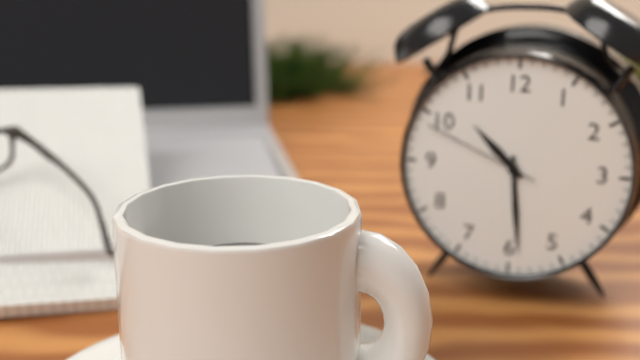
10 h 29 min 49 s
